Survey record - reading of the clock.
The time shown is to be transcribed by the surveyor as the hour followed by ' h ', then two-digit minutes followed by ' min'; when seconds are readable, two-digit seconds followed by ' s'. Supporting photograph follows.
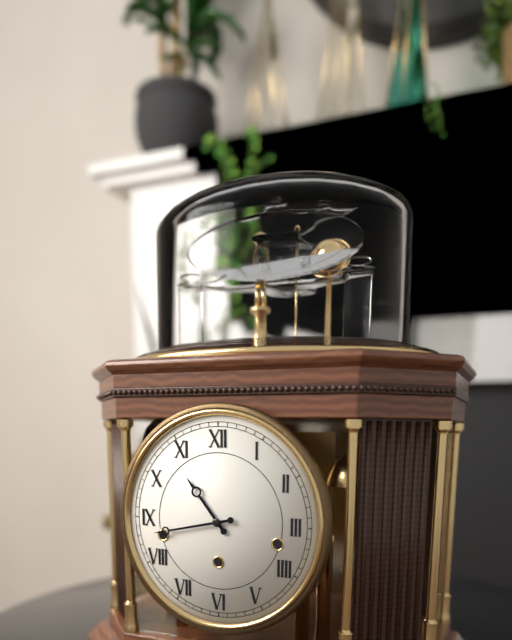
10 h 43 min
